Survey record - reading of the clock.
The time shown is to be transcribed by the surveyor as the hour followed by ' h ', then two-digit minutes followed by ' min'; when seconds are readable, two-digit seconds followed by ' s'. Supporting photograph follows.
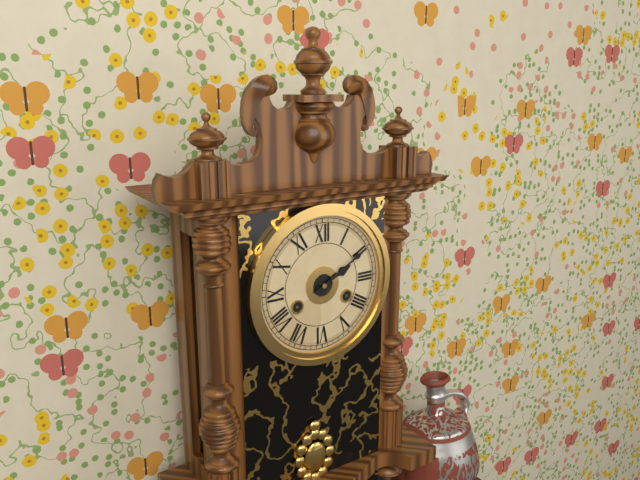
2 h 10 min
